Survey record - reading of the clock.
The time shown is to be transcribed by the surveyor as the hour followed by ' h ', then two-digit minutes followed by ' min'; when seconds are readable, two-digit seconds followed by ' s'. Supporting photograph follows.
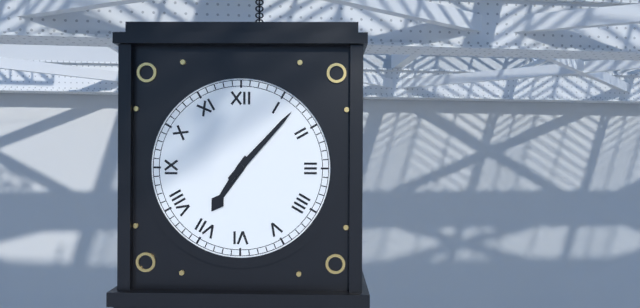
7 h 07 min
